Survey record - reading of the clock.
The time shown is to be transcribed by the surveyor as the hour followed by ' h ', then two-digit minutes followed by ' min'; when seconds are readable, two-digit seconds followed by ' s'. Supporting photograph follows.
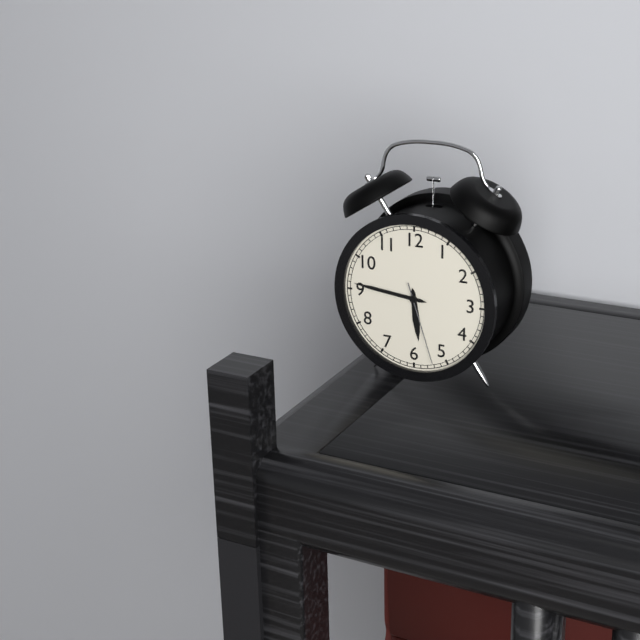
5 h 46 min 27 s
